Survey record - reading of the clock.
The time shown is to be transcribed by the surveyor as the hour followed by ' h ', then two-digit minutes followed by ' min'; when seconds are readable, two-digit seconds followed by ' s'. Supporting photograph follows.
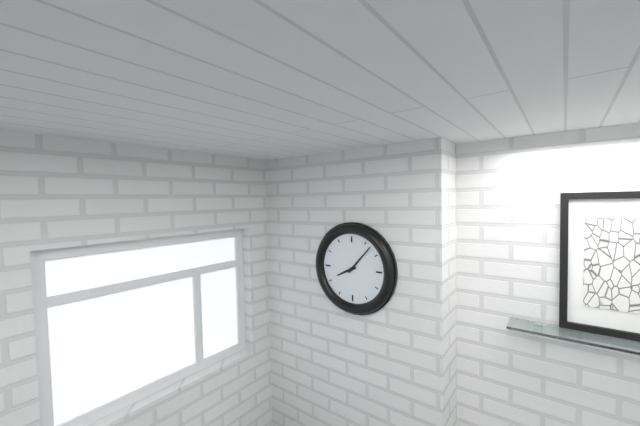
8 h 07 min
